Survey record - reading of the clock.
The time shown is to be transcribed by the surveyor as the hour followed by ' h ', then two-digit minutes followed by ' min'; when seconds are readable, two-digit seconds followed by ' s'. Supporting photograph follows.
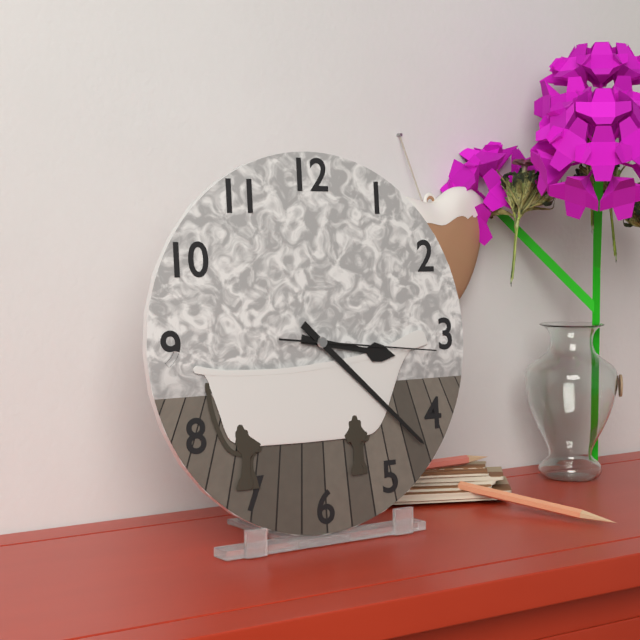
3 h 22 min 16 s
